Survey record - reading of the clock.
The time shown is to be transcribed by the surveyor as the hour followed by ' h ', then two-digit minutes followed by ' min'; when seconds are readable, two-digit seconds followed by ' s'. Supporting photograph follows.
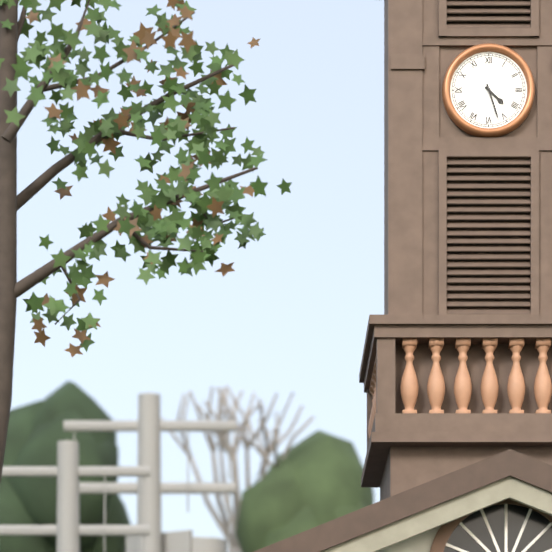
4 h 27 min
